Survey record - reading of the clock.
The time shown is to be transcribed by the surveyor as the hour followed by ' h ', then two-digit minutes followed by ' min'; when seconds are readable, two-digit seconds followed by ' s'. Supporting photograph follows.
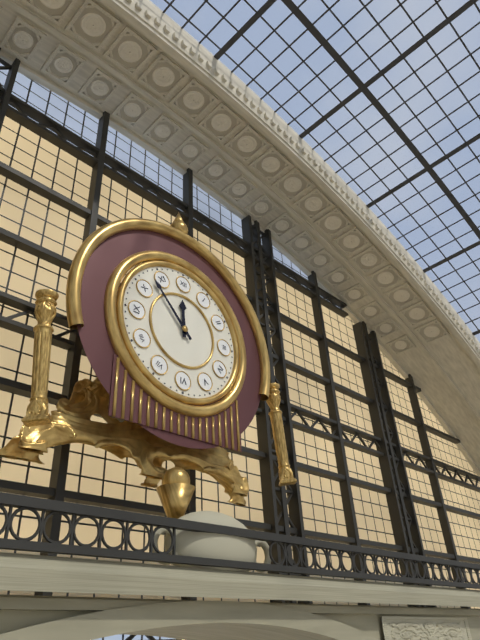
11 h 53 min
